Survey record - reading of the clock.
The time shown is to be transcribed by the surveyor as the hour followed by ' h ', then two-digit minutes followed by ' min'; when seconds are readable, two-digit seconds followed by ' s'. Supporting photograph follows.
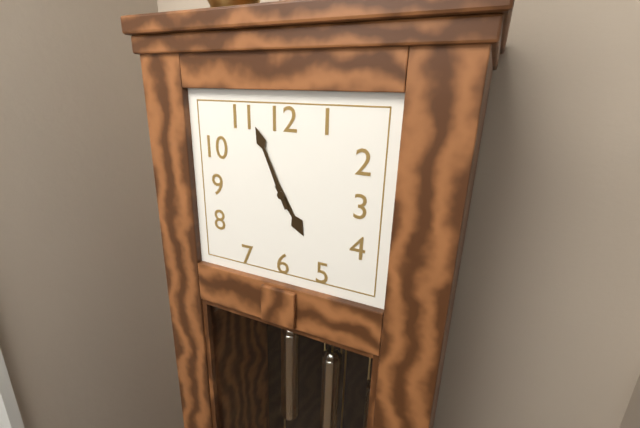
4 h 56 min
